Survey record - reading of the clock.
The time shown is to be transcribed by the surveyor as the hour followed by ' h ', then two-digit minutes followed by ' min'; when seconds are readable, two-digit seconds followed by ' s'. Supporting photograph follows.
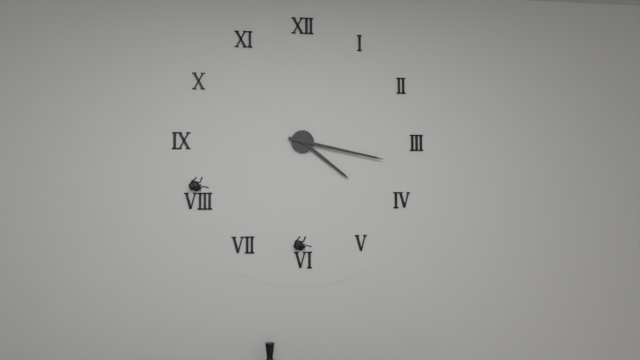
4 h 17 min
